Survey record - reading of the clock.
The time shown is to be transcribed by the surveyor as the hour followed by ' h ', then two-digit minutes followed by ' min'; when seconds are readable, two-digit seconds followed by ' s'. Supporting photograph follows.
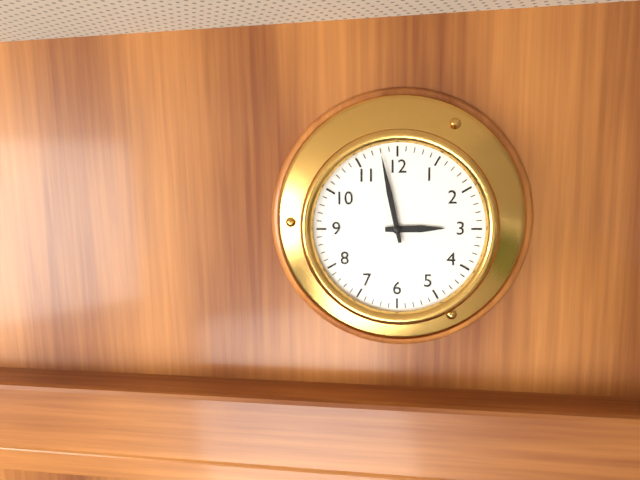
2 h 58 min
